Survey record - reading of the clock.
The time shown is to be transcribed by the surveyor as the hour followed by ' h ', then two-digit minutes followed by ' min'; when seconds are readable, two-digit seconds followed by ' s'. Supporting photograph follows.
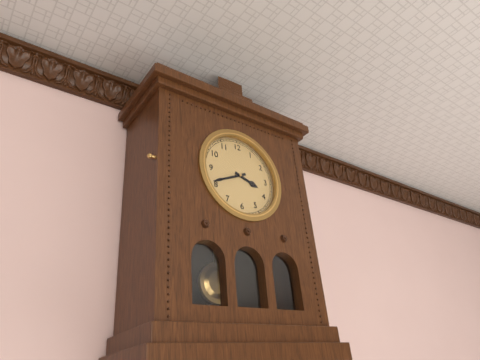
3 h 41 min
